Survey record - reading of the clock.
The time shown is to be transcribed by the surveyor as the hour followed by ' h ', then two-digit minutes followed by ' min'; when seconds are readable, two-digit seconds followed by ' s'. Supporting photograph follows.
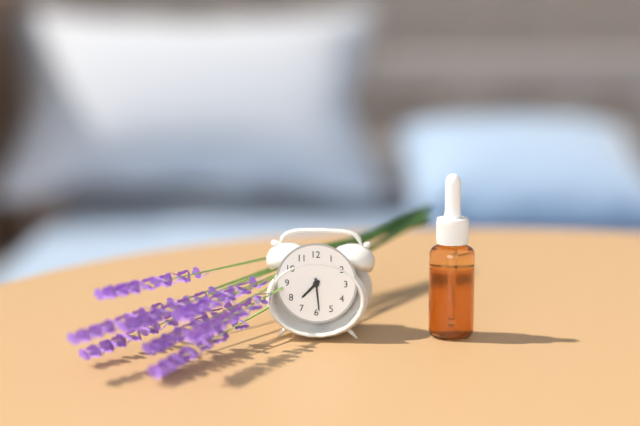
7 h 29 min
